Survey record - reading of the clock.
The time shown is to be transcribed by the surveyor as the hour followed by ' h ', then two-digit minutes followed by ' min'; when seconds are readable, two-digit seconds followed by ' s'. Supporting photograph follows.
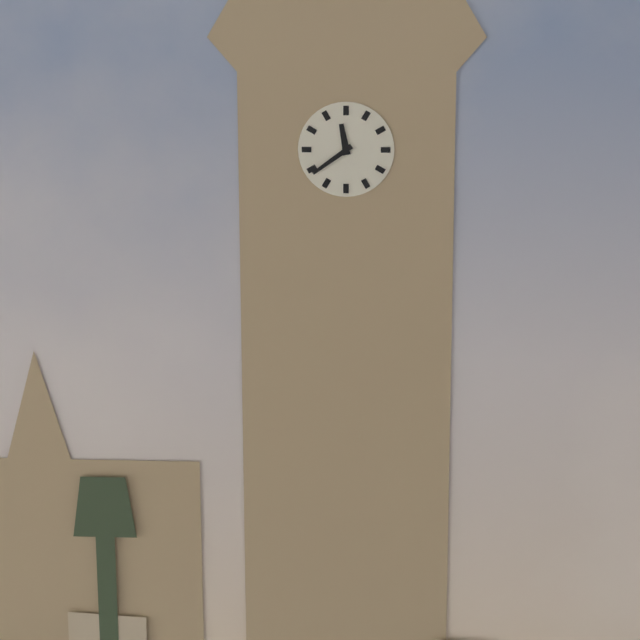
11 h 39 min
